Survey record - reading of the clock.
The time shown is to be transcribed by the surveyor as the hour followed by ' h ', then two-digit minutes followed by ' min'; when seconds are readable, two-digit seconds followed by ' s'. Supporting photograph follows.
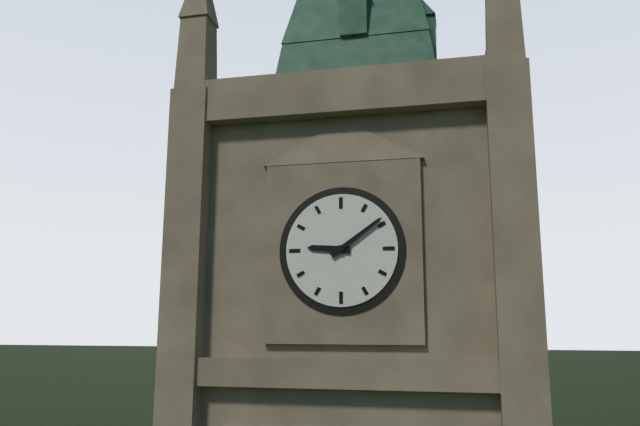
9 h 09 min
